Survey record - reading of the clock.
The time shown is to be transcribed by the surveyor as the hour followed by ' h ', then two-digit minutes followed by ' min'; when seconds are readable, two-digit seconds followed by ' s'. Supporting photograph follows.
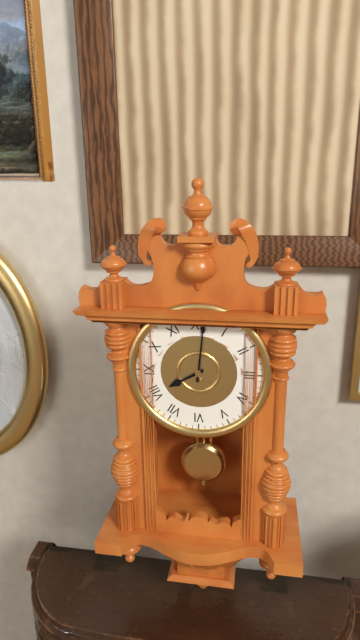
8 h 01 min
